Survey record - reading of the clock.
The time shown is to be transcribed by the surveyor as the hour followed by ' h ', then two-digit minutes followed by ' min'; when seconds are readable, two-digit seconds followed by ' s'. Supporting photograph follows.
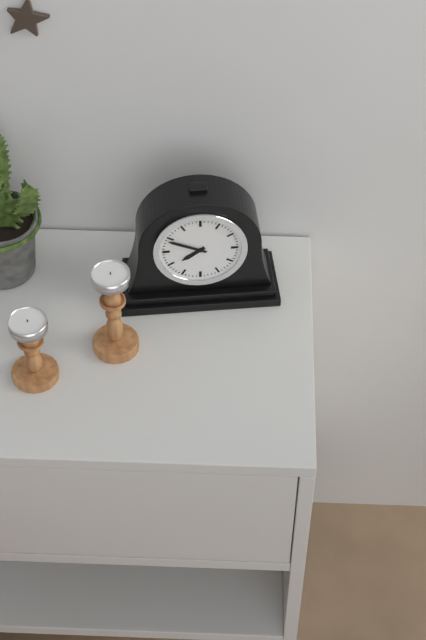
7 h 49 min
